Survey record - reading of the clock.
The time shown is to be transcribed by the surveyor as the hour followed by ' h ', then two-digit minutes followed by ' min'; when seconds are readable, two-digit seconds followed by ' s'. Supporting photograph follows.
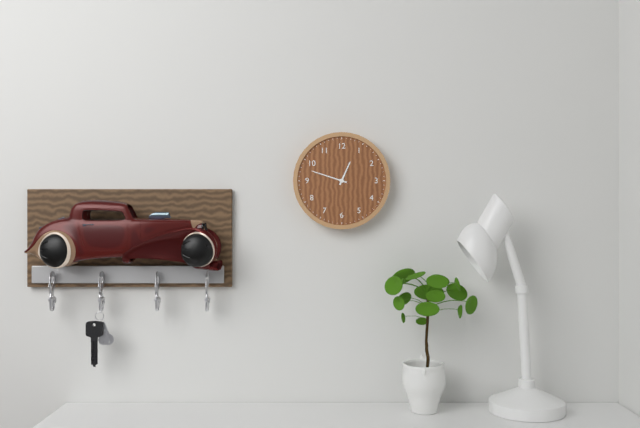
12 h 48 min
